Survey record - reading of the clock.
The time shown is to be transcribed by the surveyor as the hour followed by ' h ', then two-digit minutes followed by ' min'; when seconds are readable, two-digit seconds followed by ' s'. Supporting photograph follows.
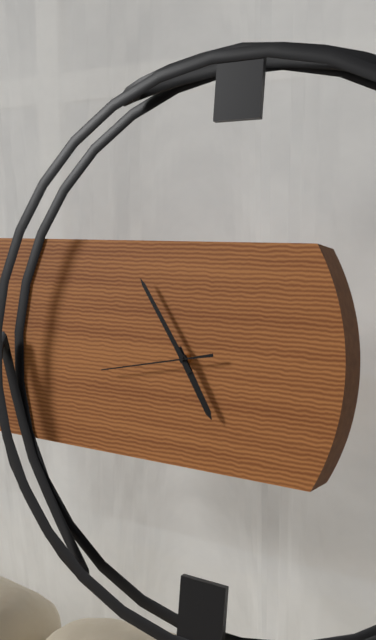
4 h 54 min 43 s
